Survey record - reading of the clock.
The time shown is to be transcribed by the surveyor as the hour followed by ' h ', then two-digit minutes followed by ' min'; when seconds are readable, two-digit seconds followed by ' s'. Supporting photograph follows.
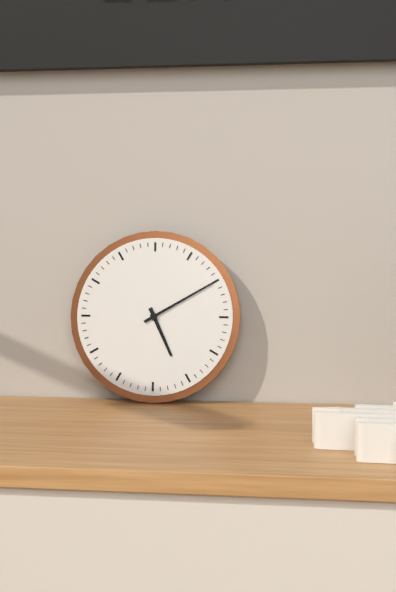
5 h 10 min
